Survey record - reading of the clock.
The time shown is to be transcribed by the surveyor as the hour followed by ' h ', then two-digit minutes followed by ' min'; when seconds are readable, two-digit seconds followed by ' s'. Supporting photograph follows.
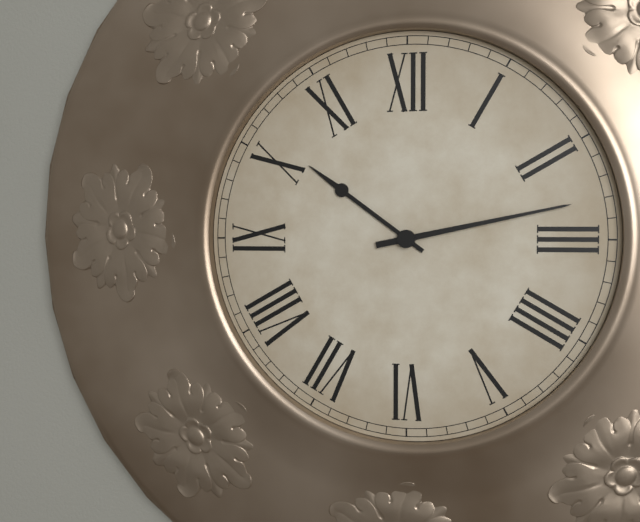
10 h 13 min
